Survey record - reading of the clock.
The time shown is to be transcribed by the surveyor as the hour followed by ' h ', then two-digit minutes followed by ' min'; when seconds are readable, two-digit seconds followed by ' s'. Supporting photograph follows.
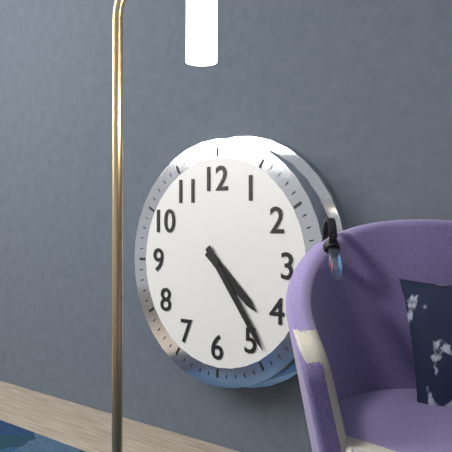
4 h 24 min
